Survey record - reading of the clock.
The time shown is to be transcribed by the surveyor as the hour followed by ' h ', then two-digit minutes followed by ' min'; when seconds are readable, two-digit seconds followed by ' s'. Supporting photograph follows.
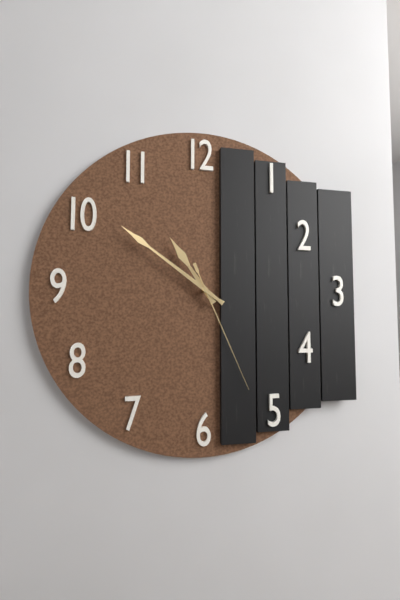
10 h 51 min 26 s
